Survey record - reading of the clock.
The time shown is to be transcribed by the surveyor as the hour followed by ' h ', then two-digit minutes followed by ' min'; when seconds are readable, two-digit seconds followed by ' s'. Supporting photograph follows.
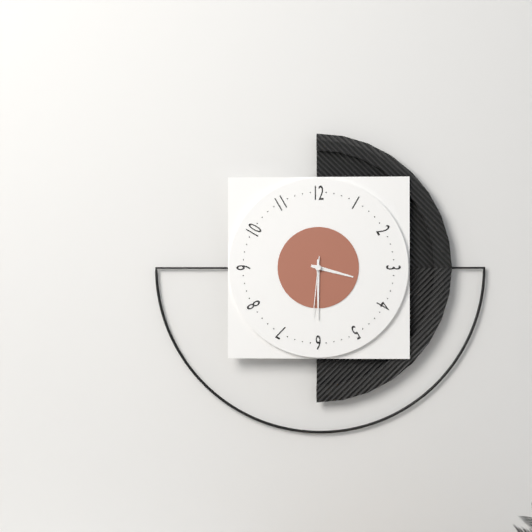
3 h 30 min 31 s
